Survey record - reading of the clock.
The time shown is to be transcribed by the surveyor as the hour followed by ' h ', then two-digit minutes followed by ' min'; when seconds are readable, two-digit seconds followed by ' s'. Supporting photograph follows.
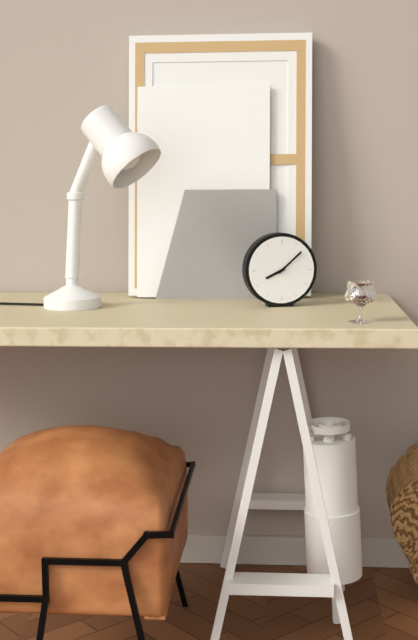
8 h 08 min
